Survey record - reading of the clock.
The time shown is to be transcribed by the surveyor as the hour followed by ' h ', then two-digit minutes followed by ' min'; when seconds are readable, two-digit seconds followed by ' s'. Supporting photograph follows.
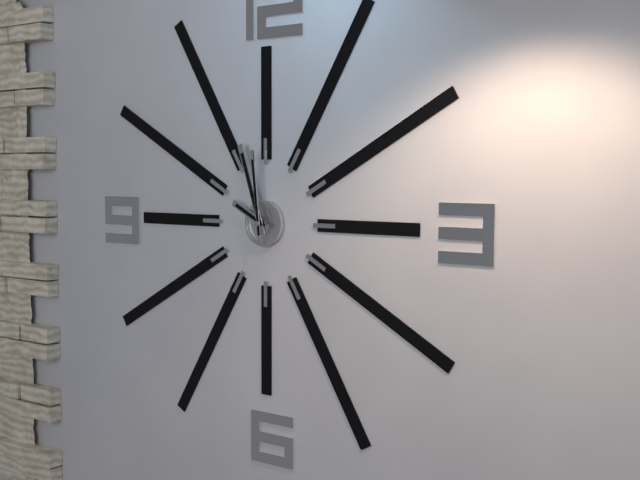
9 h 57 min 59 s
